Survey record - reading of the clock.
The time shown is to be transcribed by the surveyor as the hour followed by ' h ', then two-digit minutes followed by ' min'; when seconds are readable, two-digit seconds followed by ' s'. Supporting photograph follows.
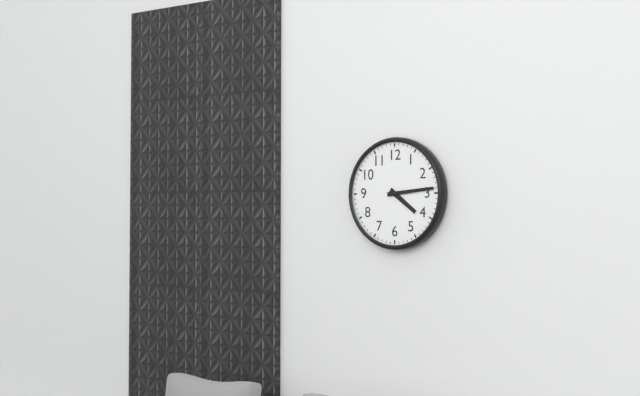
4 h 14 min
